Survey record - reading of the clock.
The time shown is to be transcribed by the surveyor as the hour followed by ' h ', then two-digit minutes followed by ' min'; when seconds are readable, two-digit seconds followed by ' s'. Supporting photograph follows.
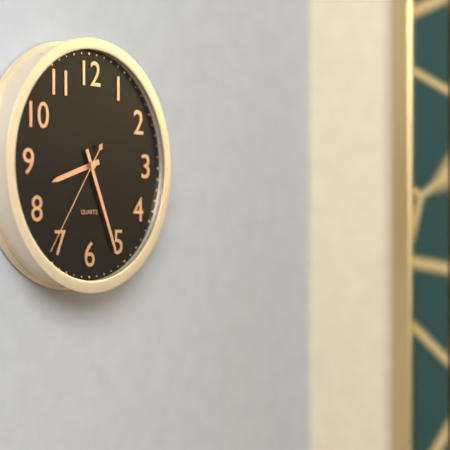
8 h 26 min 36 s
